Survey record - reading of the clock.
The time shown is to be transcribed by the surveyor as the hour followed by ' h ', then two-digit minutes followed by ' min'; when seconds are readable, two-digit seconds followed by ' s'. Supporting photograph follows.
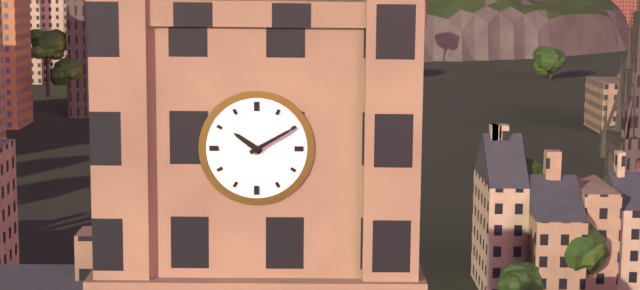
10 h 10 min
